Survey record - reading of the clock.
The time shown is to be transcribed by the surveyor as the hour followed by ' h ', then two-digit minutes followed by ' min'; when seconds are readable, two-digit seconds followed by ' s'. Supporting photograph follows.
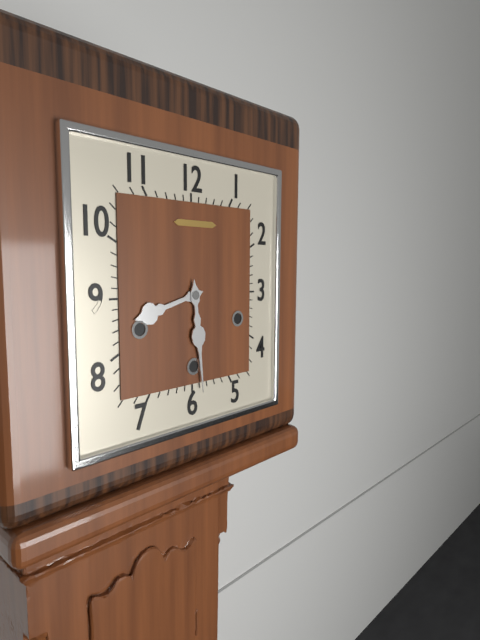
8 h 29 min
